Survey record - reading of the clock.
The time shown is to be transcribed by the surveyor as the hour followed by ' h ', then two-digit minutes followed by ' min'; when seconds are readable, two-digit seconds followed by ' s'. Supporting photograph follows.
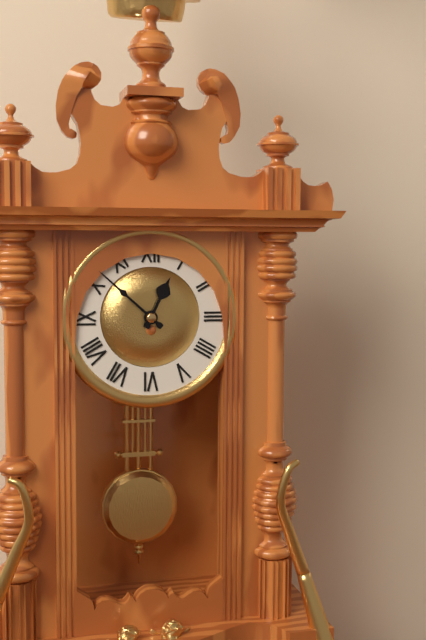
12 h 52 min
